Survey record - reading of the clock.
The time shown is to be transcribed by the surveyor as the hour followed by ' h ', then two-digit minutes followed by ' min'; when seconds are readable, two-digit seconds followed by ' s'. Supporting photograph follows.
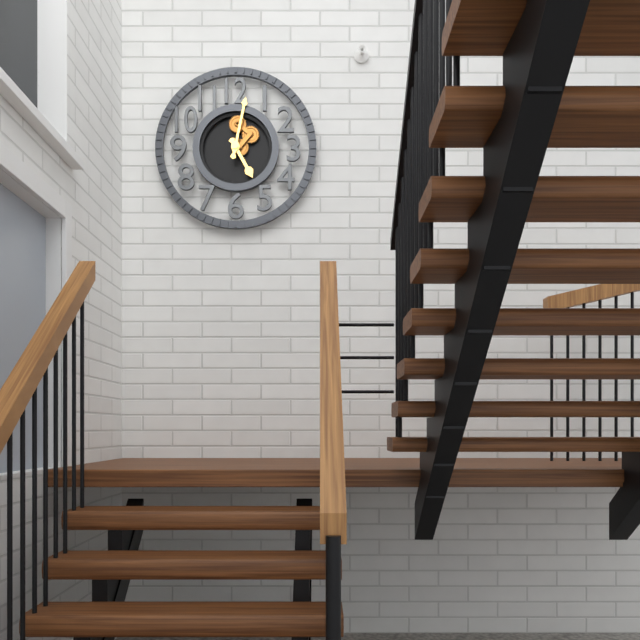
5 h 02 min
